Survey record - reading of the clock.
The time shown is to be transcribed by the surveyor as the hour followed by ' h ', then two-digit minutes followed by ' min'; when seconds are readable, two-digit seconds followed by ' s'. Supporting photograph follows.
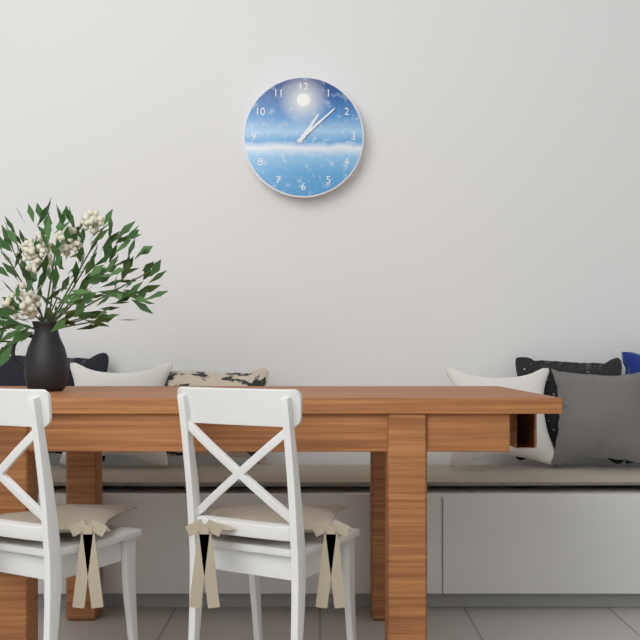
1 h 08 min
